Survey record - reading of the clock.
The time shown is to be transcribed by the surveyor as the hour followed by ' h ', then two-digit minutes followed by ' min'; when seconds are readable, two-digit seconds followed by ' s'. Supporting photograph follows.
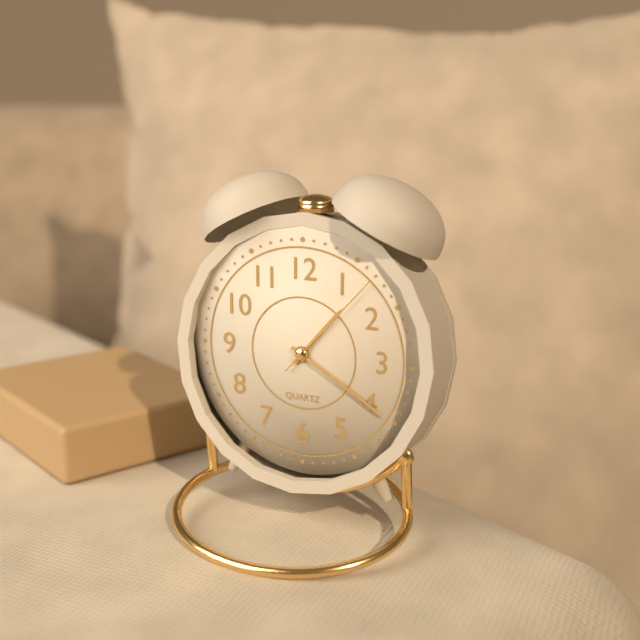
1 h 20 min 07 s
